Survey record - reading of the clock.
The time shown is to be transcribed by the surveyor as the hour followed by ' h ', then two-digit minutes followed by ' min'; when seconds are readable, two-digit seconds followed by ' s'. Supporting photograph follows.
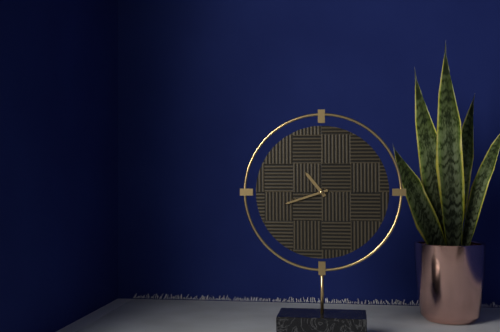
10 h 42 min
